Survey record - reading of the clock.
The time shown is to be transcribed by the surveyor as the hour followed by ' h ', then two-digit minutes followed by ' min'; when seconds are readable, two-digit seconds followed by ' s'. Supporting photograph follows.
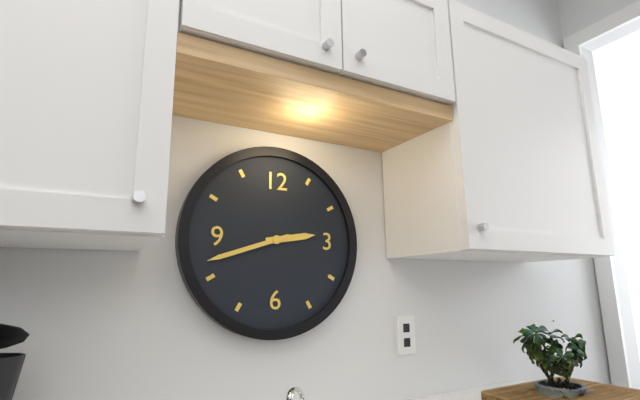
2 h 42 min
